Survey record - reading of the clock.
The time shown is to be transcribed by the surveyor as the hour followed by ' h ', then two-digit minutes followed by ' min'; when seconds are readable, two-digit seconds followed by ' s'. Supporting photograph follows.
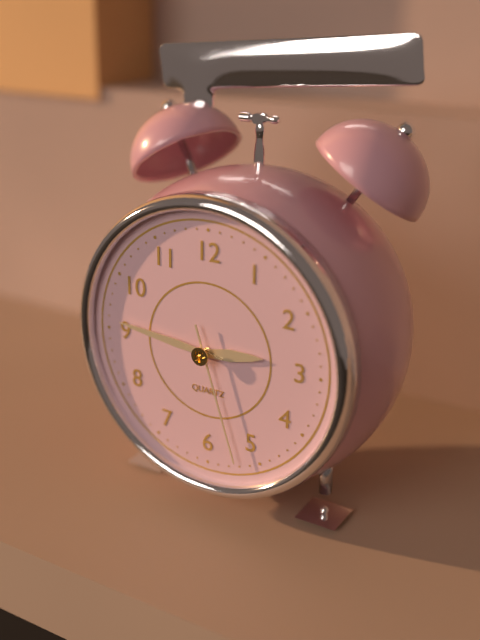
2 h 46 min 27 s
